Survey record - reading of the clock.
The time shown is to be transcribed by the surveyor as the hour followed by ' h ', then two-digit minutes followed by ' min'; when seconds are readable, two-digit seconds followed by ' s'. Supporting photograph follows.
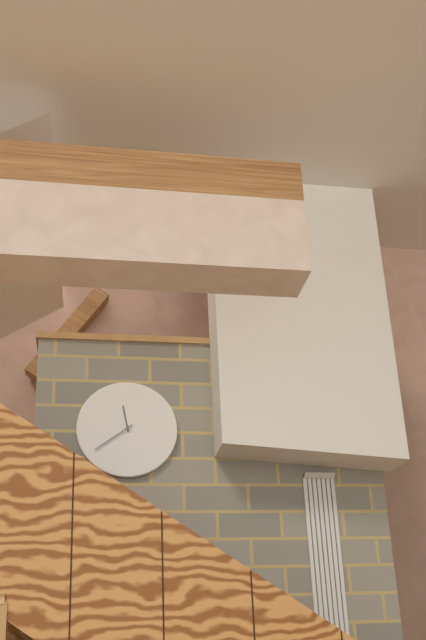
11 h 39 min
